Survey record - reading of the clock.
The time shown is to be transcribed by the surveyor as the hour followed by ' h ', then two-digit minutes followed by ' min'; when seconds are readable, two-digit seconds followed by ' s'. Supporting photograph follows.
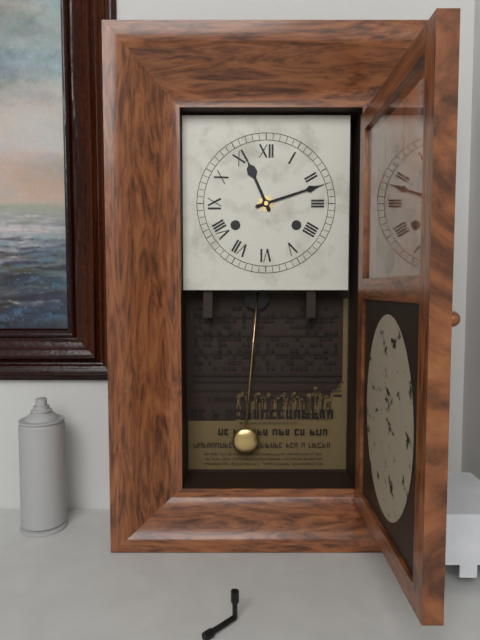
11 h 12 min
